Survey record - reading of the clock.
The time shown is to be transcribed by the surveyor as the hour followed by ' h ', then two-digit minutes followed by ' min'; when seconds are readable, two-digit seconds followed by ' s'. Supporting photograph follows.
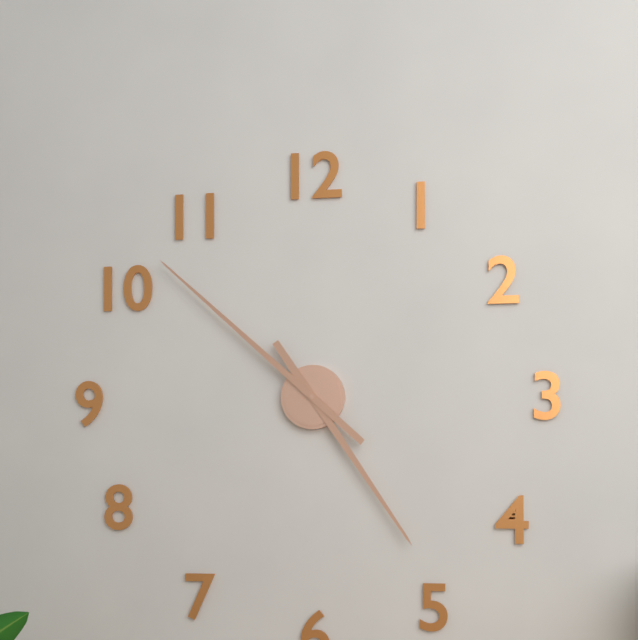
4 h 52 min
